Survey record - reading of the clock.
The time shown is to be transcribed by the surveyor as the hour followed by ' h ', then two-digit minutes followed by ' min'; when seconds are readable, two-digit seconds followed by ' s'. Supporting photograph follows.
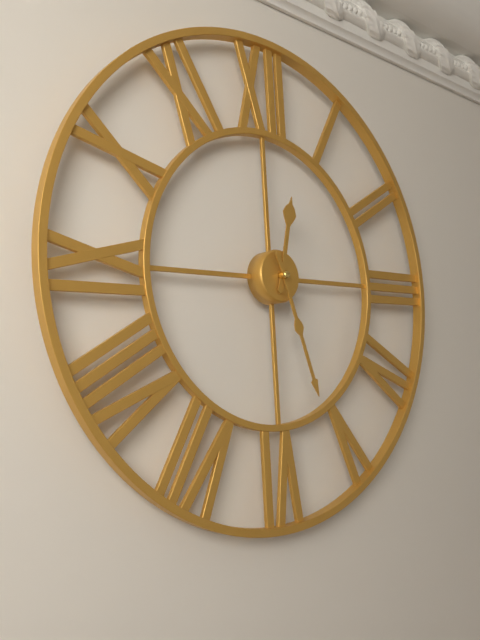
12 h 27 min
